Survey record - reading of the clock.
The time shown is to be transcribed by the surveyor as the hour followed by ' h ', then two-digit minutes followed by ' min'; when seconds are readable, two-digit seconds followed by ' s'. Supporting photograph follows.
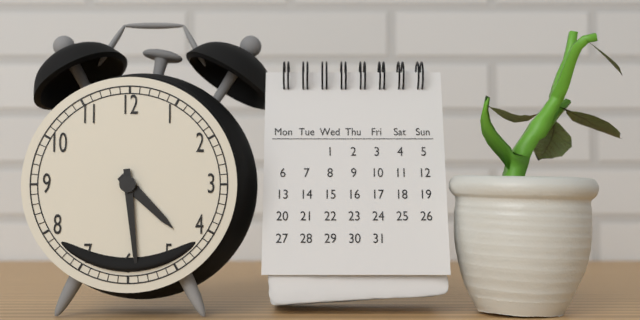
4 h 29 min
